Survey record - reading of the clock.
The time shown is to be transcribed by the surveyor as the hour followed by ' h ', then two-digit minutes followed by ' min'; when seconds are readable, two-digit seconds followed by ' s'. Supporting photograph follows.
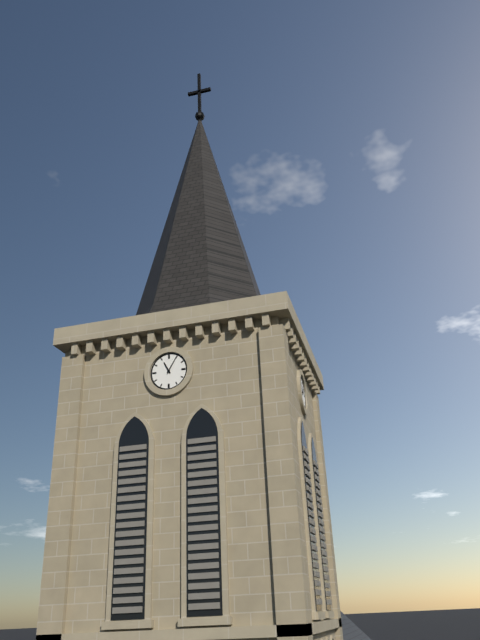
11 h 05 min
